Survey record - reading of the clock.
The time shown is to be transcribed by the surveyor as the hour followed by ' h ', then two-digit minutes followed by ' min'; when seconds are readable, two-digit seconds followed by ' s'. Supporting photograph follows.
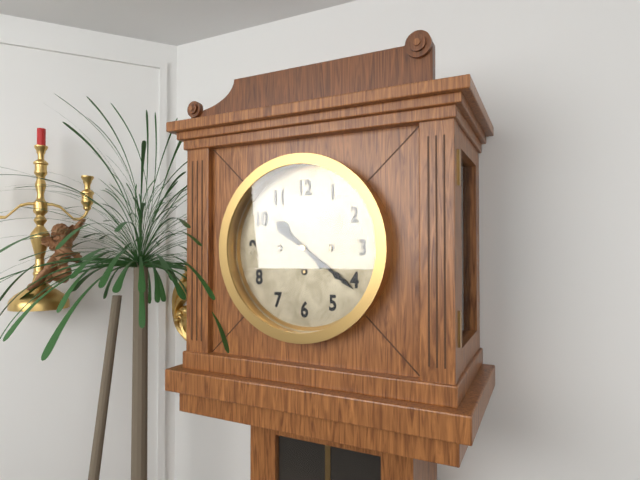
10 h 21 min
